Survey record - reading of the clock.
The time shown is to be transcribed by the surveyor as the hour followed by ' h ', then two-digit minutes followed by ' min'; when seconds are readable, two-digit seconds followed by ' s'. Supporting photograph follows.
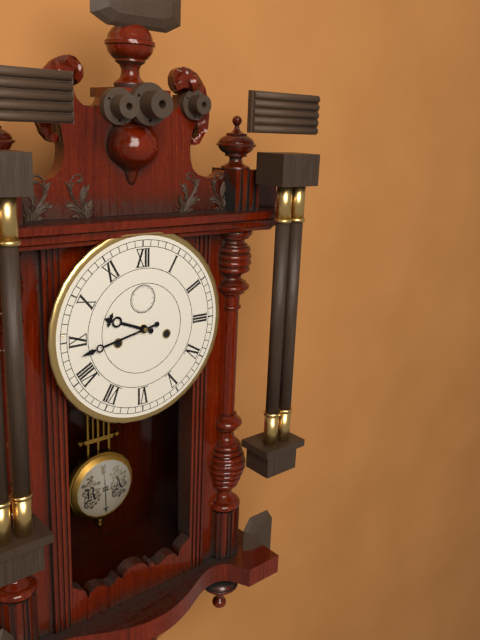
9 h 43 min
